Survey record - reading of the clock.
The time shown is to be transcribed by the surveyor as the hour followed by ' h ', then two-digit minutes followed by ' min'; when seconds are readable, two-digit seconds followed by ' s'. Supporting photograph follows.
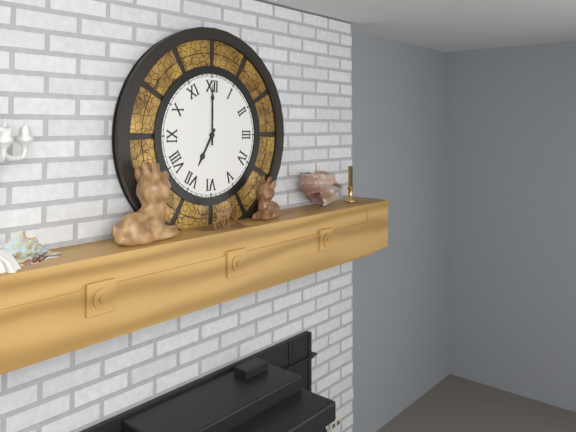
7 h 00 min
